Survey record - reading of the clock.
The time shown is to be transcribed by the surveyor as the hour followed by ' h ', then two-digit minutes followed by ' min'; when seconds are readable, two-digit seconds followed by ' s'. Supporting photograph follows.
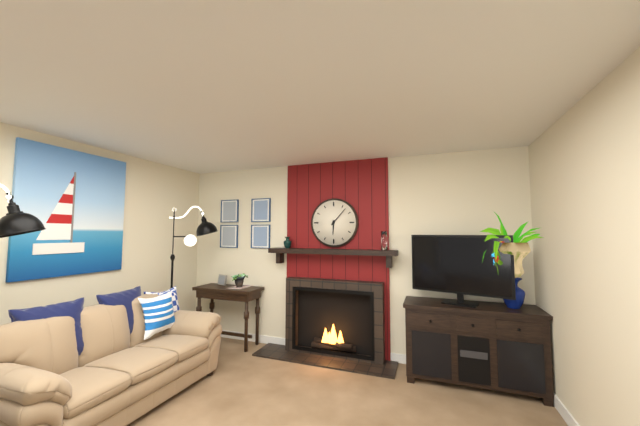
6 h 07 min
